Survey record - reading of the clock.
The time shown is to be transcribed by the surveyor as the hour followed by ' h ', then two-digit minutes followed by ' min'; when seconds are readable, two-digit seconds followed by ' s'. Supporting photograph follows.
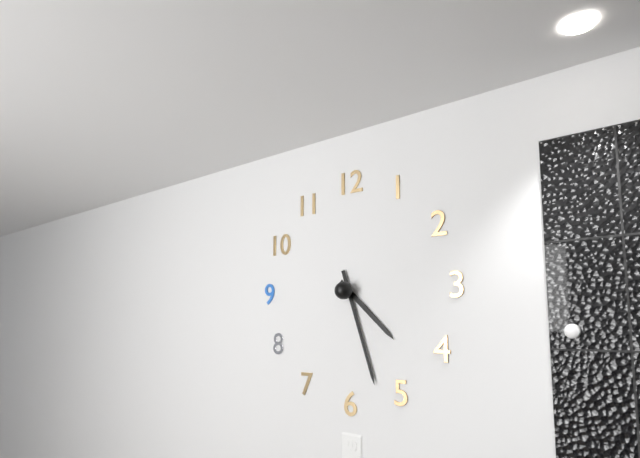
4 h 27 min
